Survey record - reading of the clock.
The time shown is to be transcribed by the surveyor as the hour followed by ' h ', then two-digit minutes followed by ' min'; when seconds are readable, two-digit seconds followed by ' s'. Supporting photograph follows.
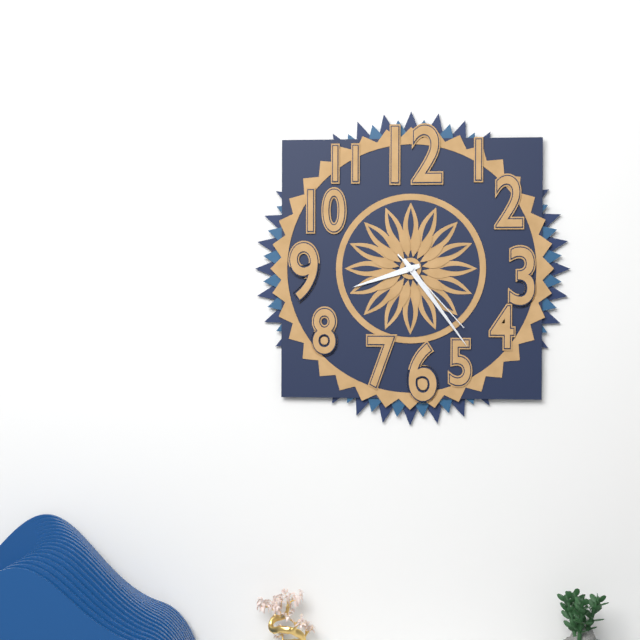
8 h 24 min 23 s
